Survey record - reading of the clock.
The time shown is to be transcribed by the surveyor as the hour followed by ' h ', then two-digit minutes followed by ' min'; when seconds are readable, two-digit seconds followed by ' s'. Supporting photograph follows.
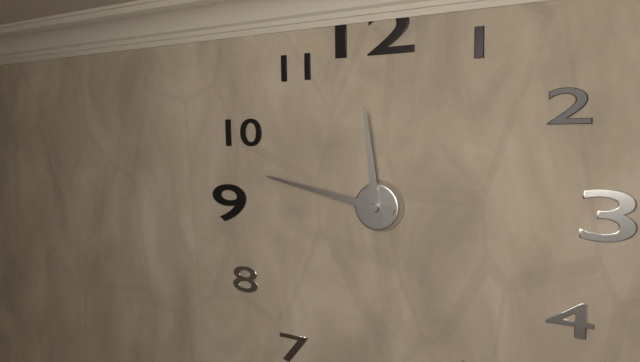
11 h 47 min
